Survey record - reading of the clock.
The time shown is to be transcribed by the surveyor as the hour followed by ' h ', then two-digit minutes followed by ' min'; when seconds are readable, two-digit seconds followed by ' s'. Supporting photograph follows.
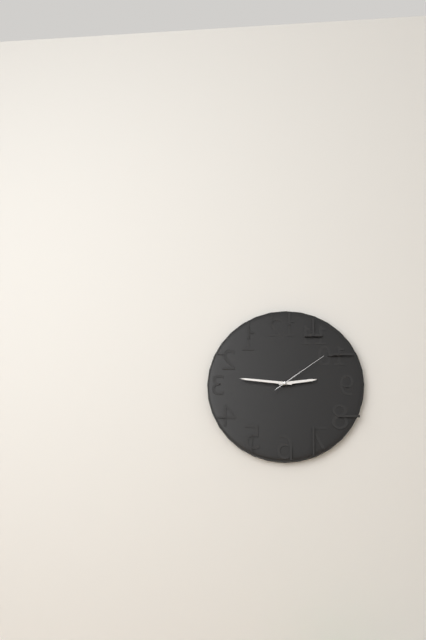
2 h 46 min 09 s
